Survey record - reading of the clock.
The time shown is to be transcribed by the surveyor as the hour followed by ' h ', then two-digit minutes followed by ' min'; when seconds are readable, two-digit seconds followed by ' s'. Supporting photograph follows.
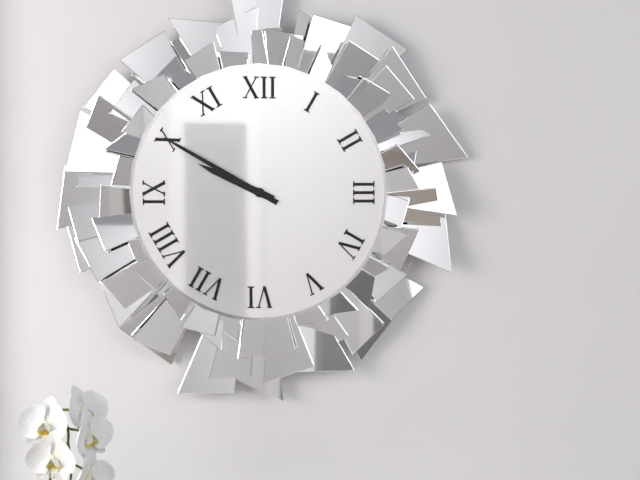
9 h 50 min
